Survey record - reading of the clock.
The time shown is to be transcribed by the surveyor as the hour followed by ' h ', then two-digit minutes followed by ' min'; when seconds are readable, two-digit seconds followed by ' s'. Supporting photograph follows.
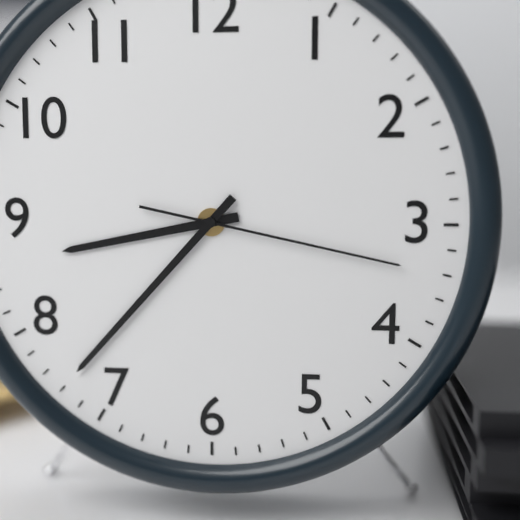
8 h 37 min 17 s
